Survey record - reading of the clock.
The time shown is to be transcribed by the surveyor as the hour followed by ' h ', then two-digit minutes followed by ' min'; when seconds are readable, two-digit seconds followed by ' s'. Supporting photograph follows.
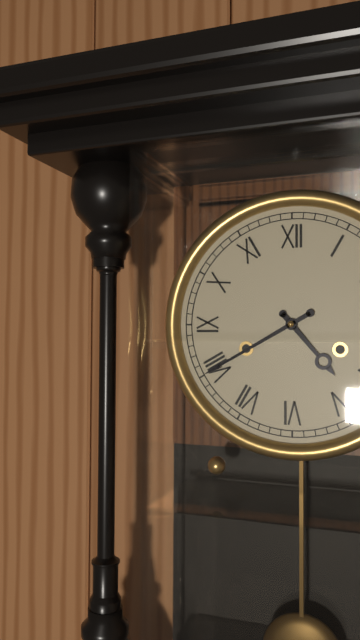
4 h 40 min
